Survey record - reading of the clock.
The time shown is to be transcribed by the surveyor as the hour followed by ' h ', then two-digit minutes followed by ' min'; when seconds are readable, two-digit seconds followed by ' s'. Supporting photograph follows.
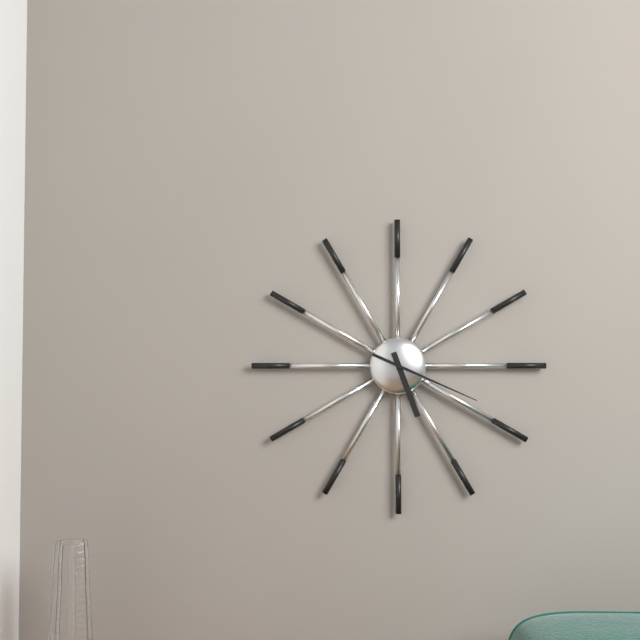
5 h 19 min
